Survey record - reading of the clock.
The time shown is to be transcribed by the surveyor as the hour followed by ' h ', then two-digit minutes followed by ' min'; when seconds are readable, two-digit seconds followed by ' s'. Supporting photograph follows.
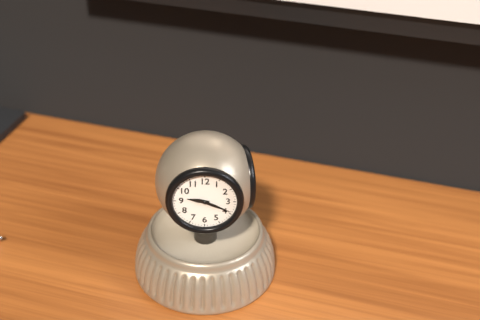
9 h 19 min
